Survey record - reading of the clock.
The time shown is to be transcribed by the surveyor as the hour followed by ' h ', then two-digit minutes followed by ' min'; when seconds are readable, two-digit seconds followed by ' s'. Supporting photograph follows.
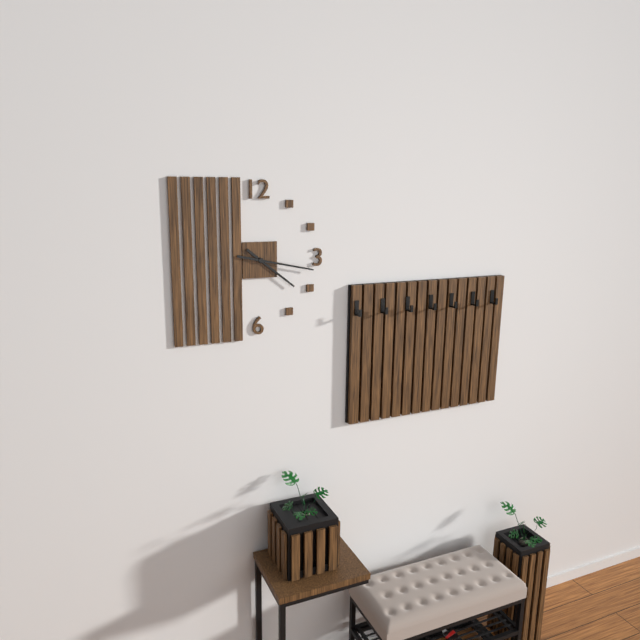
4 h 17 min
